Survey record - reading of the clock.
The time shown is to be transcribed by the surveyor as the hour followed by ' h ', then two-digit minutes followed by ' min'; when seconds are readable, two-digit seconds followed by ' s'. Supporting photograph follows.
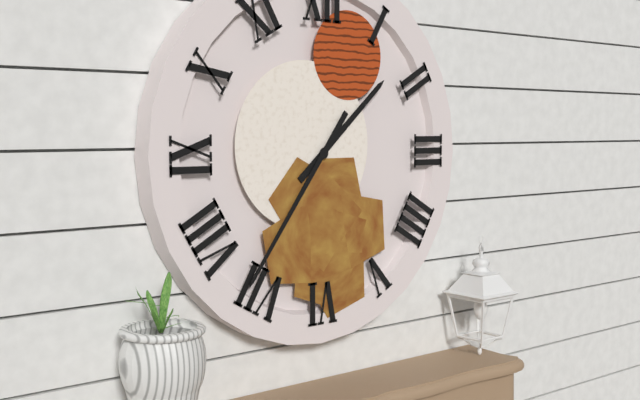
1 h 36 min
